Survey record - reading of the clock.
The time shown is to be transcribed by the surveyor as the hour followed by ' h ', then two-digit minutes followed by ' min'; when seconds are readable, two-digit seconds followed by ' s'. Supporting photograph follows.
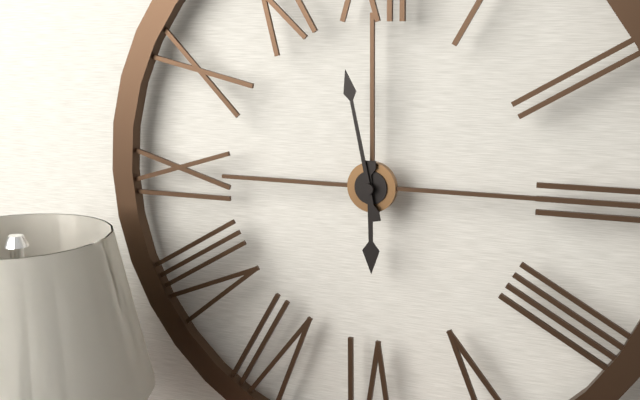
5 h 58 min
